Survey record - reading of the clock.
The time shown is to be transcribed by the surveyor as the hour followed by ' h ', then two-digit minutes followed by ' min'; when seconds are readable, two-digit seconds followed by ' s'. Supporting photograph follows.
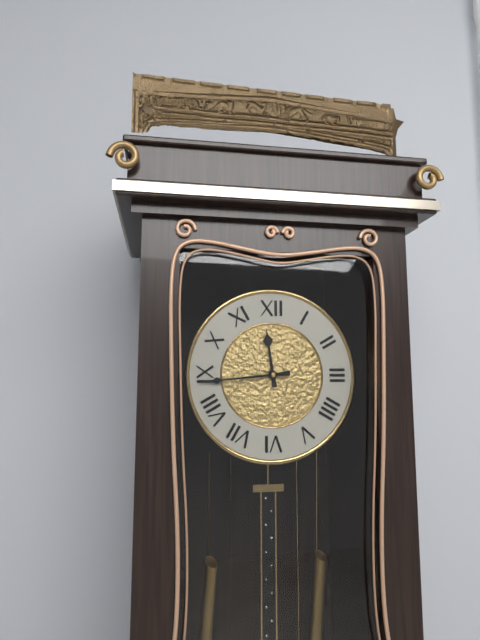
11 h 44 min
